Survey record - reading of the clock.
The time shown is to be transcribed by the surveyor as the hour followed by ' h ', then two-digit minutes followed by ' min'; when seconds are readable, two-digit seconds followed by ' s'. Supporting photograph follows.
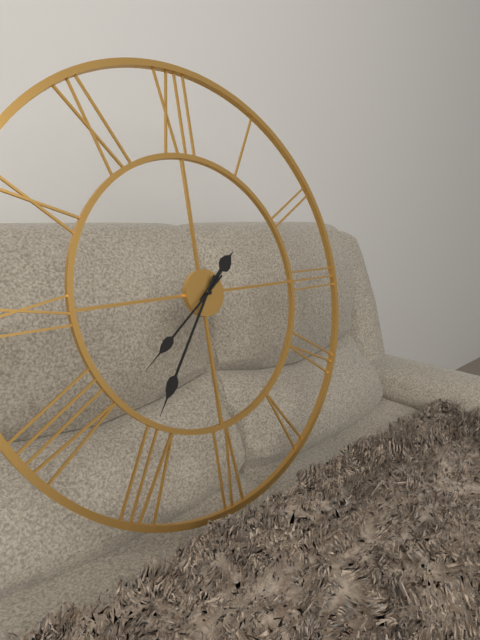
1 h 36 min 39 s
